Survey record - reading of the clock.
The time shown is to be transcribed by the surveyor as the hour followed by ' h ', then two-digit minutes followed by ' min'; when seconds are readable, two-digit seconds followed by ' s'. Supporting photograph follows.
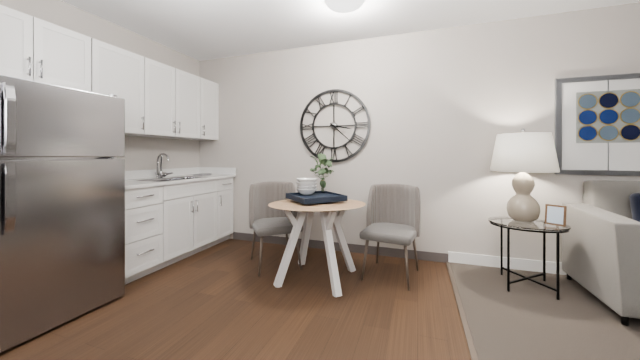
3 h 22 min
